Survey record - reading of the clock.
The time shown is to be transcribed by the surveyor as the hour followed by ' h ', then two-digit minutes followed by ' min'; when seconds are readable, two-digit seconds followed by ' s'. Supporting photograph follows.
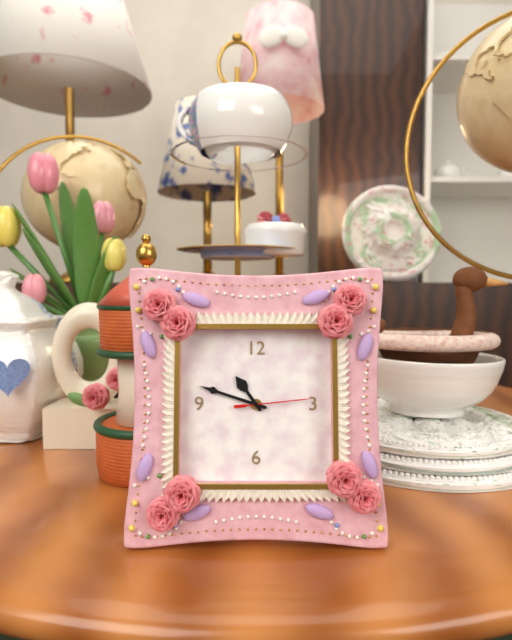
10 h 48 min 14 s
